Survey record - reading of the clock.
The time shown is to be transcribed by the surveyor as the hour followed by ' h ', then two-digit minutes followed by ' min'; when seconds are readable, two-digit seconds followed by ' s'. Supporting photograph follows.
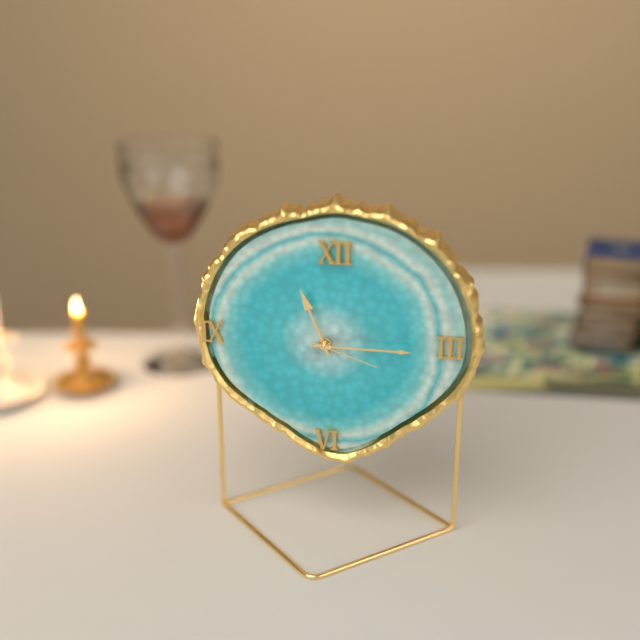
11 h 15 min 18 s
